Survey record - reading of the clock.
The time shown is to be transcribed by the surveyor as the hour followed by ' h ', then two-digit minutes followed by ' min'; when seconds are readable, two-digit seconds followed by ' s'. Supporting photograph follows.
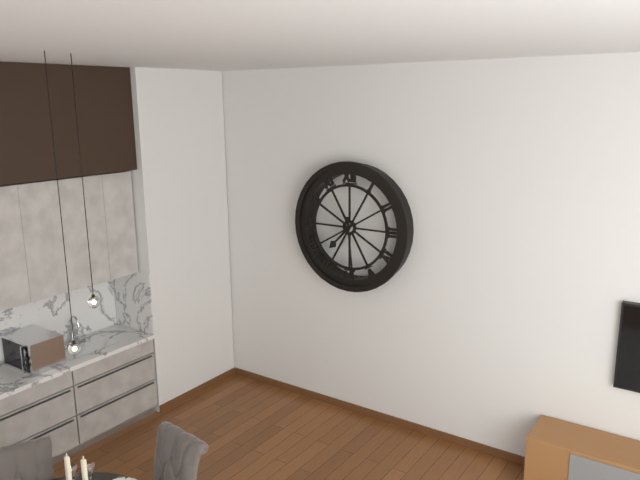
7 h 29 min
